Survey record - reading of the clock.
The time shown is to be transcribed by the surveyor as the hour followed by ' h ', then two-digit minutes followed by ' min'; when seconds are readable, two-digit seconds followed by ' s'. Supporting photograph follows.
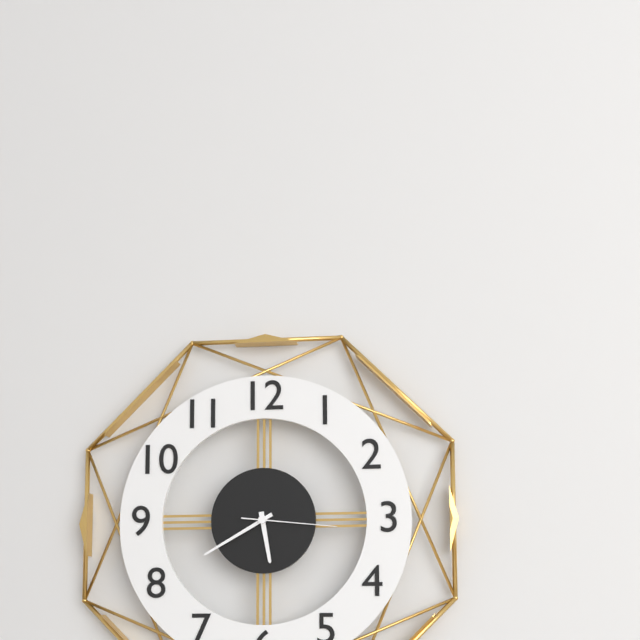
5 h 40 min 16 s
